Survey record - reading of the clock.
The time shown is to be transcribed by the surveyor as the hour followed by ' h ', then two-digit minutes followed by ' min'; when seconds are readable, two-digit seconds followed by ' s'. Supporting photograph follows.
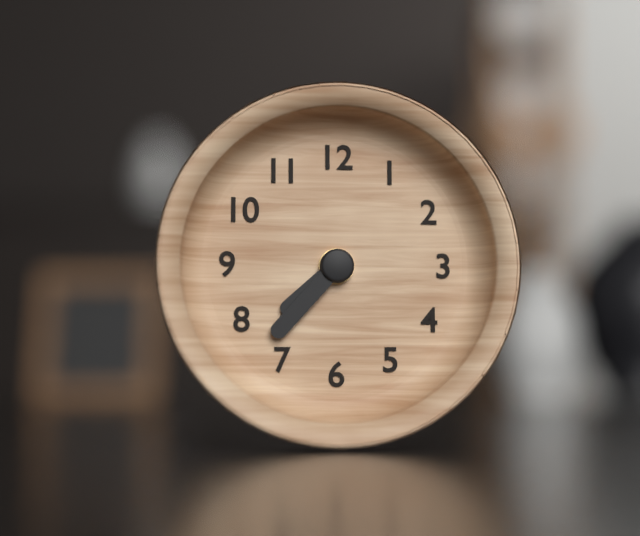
7 h 37 min
